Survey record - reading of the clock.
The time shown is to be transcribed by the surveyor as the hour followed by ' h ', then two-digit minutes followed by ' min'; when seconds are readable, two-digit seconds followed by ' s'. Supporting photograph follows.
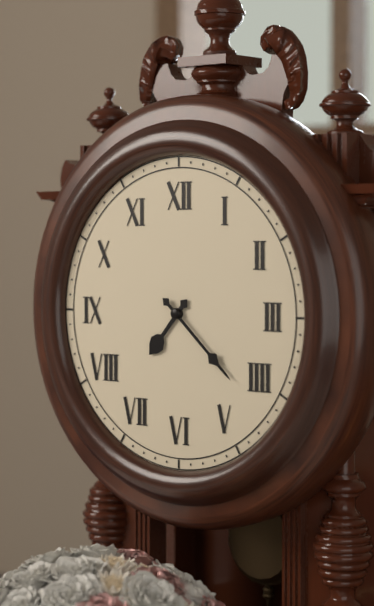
7 h 22 min
